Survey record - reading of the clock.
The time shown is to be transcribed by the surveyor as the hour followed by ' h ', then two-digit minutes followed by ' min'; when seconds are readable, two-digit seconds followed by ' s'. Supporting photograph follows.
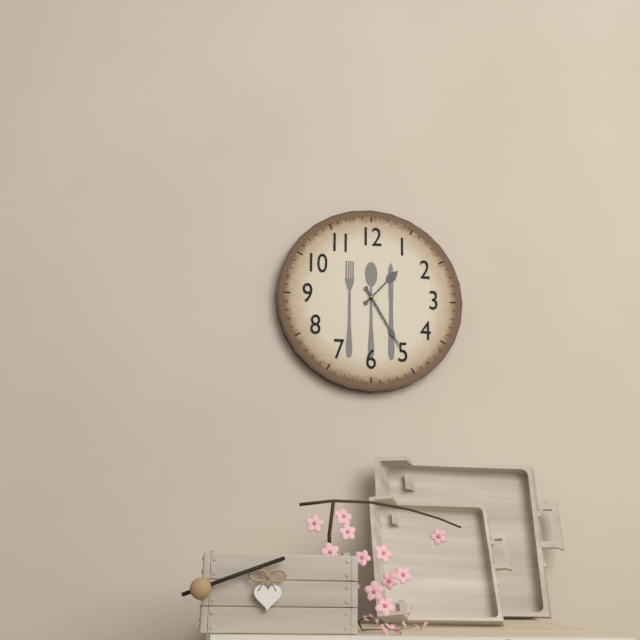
1 h 25 min
